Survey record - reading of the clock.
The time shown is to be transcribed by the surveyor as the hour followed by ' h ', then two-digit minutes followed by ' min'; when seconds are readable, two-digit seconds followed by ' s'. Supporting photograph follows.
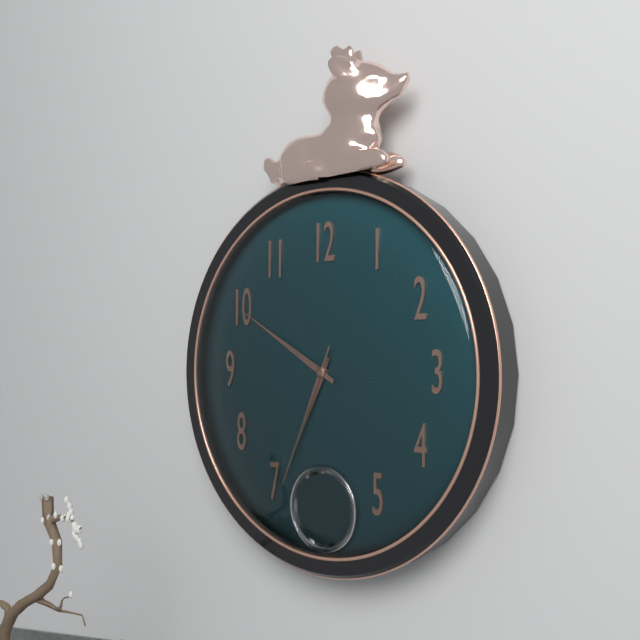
6 h 50 min 34 s
